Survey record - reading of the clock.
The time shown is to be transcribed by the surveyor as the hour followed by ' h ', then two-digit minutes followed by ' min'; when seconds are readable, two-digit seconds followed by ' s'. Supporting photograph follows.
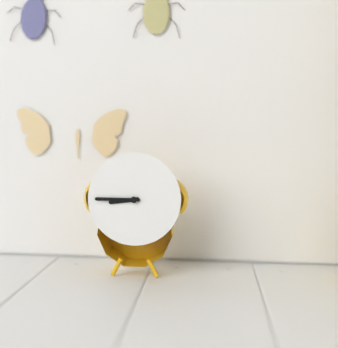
8 h 45 min
